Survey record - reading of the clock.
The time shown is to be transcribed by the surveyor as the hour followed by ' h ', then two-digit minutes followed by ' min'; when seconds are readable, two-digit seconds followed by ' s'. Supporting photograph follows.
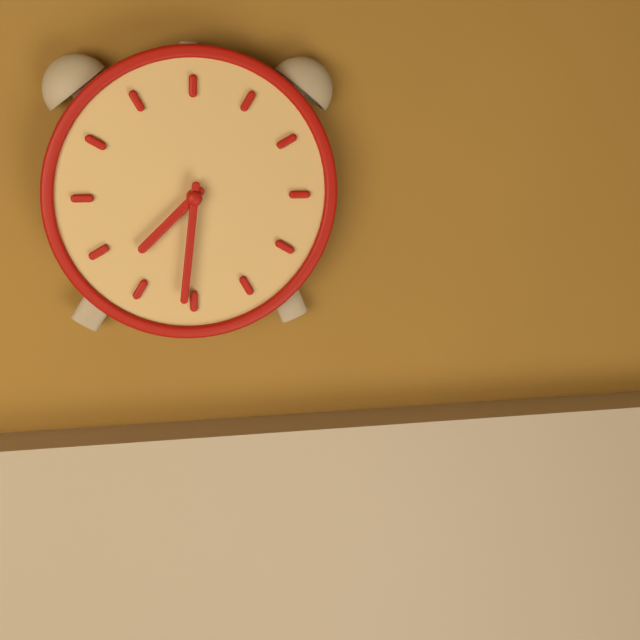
7 h 31 min
